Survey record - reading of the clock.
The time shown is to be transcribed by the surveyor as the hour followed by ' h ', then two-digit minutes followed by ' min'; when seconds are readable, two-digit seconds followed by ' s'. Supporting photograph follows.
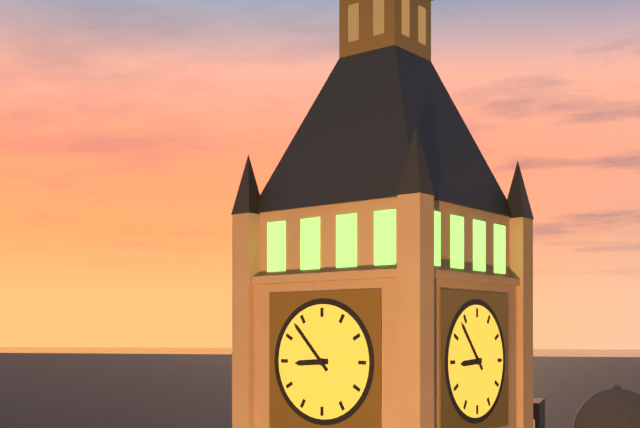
8 h 53 min
